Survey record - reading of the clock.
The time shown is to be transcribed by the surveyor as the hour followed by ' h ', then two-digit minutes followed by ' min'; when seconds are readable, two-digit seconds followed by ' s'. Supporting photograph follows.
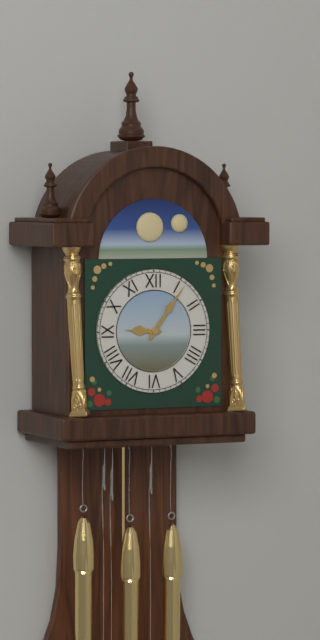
9 h 06 min
